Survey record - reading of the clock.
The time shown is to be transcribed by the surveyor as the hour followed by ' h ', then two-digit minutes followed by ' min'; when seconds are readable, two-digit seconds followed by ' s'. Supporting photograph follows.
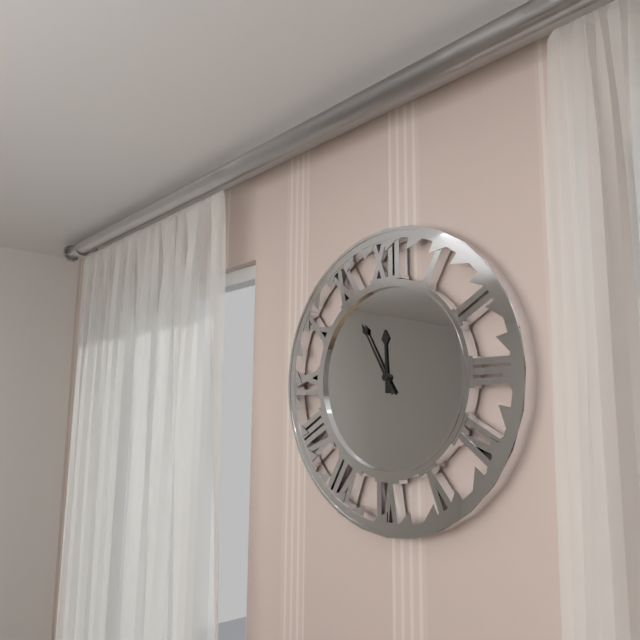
11 h 55 min
